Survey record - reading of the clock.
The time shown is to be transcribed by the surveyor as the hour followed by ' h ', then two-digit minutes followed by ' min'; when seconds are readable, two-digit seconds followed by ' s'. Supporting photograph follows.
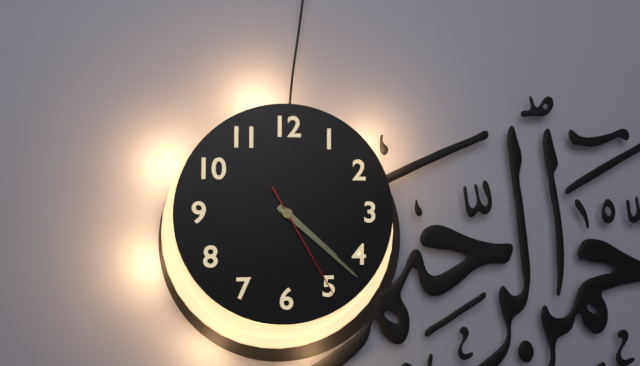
4 h 22 min 25 s
